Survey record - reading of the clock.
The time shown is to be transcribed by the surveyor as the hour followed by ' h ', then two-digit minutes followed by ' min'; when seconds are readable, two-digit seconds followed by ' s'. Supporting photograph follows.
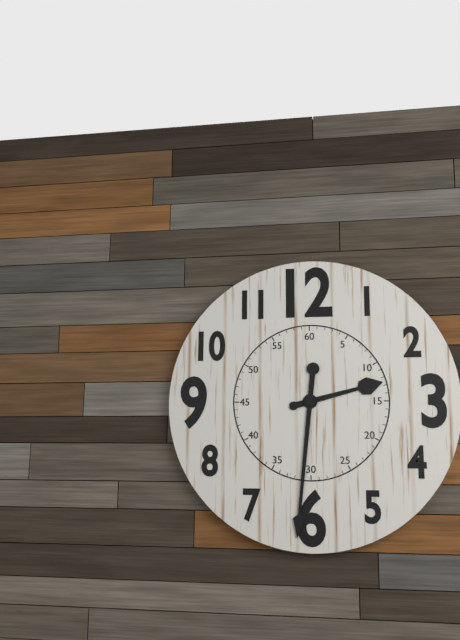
2 h 31 min
